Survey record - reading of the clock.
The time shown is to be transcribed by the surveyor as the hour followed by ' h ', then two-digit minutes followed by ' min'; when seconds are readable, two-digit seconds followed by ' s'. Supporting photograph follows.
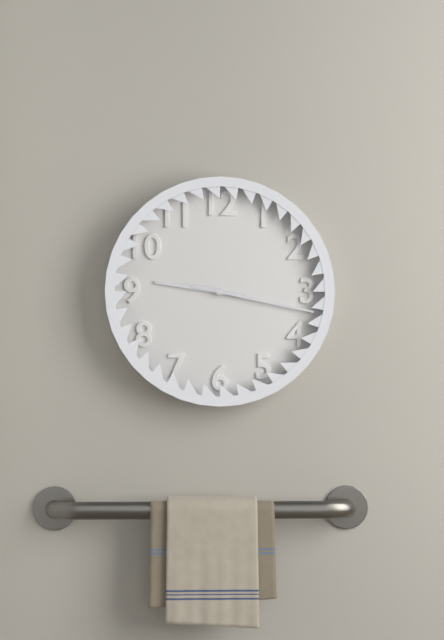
9 h 17 min
